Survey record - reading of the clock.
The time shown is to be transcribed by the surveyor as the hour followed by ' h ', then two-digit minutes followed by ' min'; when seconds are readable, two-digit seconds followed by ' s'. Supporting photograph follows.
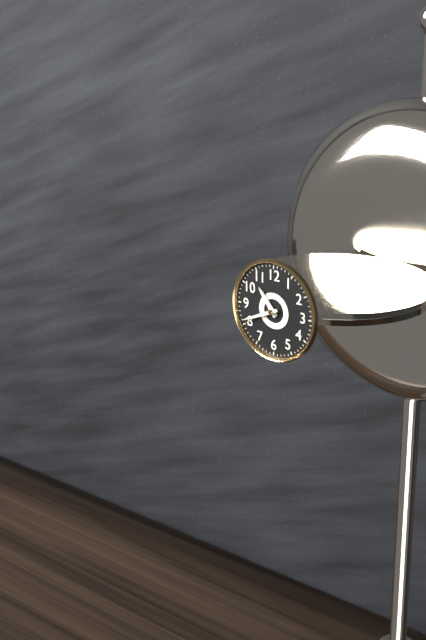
10 h 41 min
